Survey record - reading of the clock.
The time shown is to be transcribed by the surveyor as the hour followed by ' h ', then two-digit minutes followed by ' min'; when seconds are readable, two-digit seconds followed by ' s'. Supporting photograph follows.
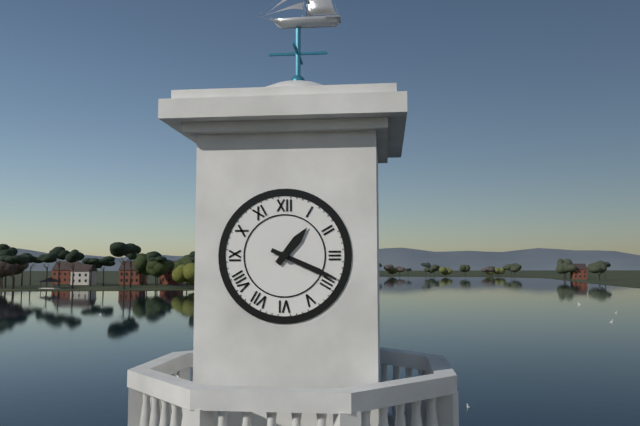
1 h 19 min
